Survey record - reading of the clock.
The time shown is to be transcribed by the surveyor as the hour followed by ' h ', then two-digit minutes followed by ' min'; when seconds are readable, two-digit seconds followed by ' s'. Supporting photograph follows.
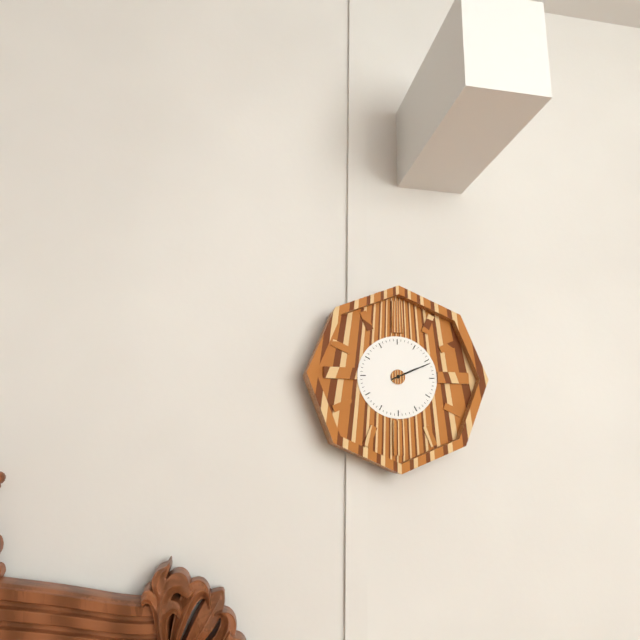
2 h 11 min
